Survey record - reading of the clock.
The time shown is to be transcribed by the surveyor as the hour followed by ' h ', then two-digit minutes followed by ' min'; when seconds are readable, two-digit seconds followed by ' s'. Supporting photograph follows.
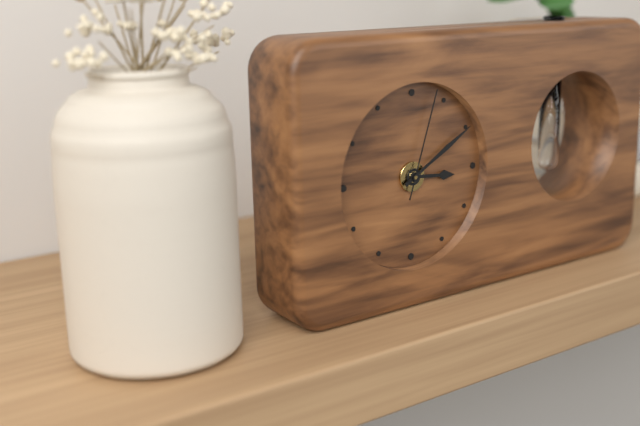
3 h 10 min 03 s
